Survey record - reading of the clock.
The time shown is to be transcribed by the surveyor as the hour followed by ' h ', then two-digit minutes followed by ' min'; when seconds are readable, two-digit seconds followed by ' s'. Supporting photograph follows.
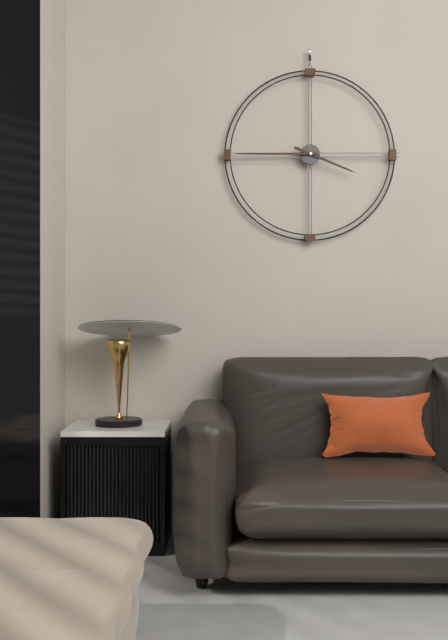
3 h 45 min
